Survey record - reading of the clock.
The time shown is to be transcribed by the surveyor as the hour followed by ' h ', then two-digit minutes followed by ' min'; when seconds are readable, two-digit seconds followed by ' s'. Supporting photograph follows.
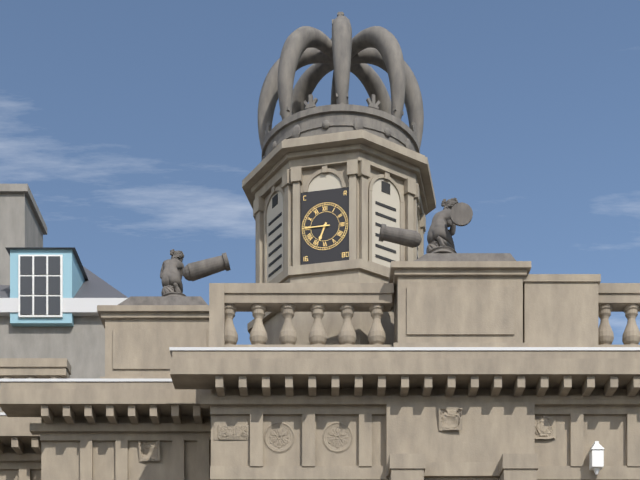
6 h 45 min
